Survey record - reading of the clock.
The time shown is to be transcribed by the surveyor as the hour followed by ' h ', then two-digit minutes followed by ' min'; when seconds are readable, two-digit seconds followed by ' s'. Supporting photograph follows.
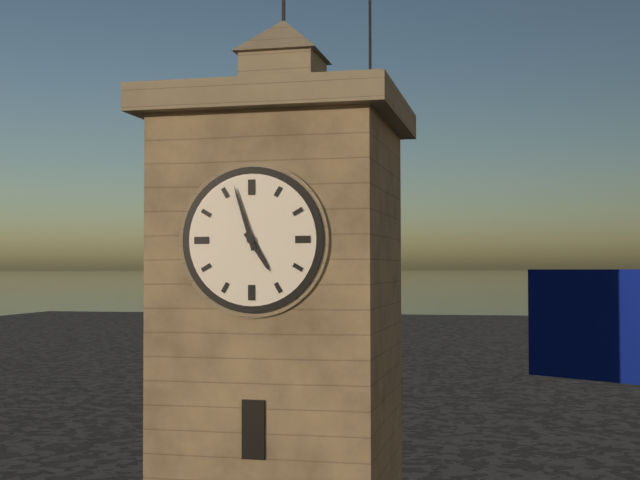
4 h 57 min
